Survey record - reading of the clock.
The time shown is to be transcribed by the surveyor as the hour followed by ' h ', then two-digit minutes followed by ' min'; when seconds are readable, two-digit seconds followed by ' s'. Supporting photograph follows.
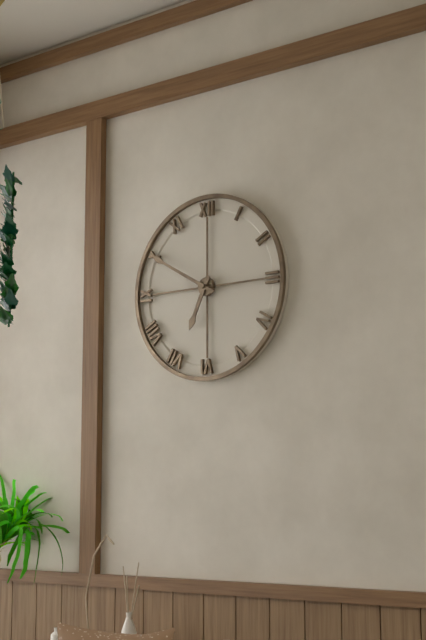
6 h 50 min
